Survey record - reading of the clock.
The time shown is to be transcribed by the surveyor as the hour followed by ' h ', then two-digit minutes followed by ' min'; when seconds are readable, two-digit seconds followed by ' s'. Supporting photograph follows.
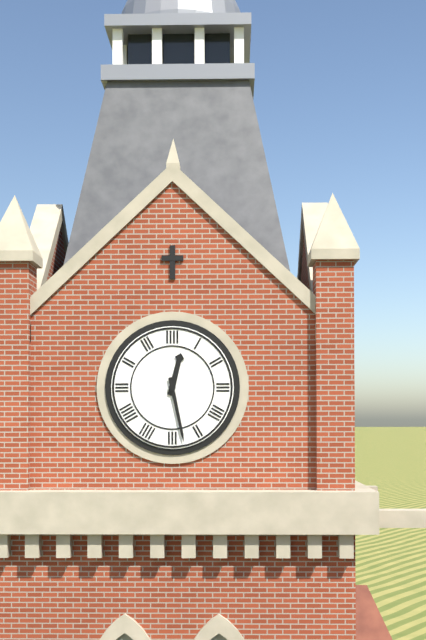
12 h 28 min
